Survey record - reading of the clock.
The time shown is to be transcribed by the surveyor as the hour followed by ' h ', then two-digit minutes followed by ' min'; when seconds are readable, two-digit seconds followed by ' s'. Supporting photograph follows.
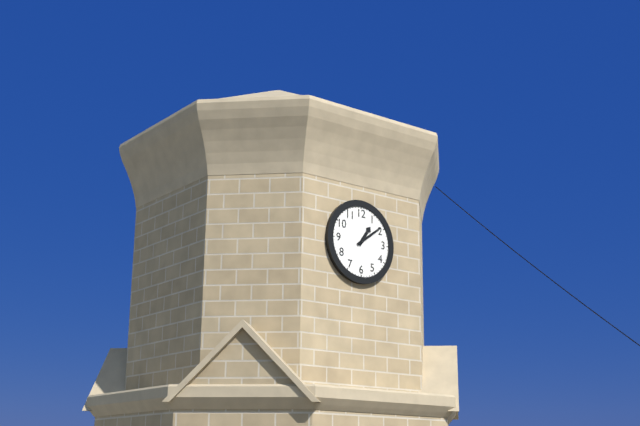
1 h 09 min
